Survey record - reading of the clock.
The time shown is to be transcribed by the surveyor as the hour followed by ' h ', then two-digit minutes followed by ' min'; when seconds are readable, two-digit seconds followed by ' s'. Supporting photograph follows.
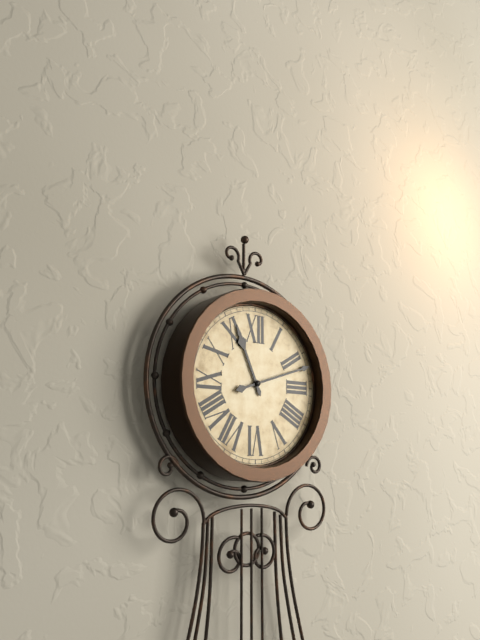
11 h 12 min
